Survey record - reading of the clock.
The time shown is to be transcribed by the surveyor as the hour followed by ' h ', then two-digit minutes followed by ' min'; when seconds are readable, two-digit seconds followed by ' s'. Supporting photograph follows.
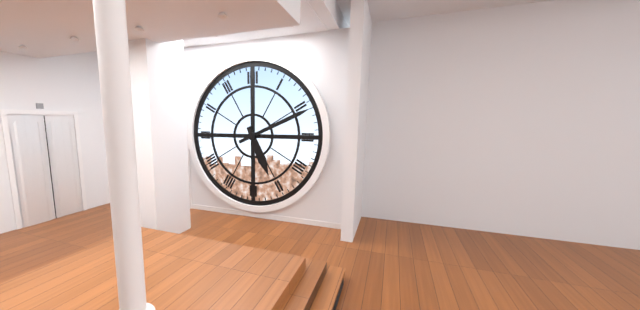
5 h 11 min
